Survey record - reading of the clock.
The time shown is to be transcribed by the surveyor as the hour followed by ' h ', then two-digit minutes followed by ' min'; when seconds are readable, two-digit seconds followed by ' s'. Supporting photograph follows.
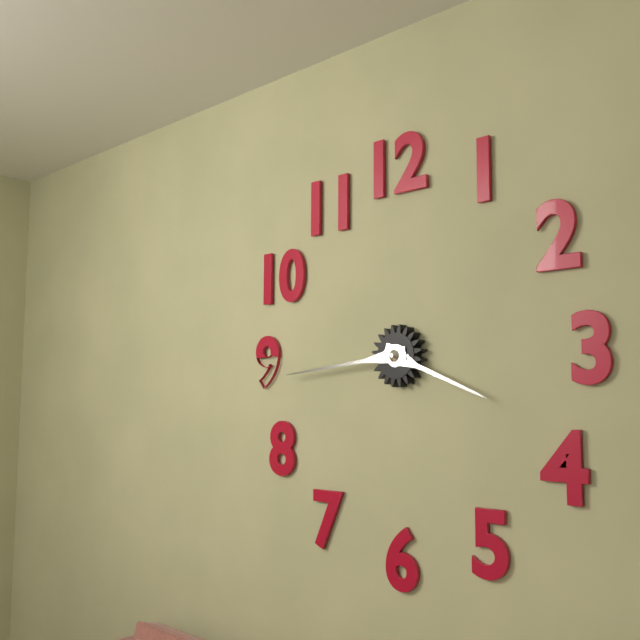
3 h 44 min
